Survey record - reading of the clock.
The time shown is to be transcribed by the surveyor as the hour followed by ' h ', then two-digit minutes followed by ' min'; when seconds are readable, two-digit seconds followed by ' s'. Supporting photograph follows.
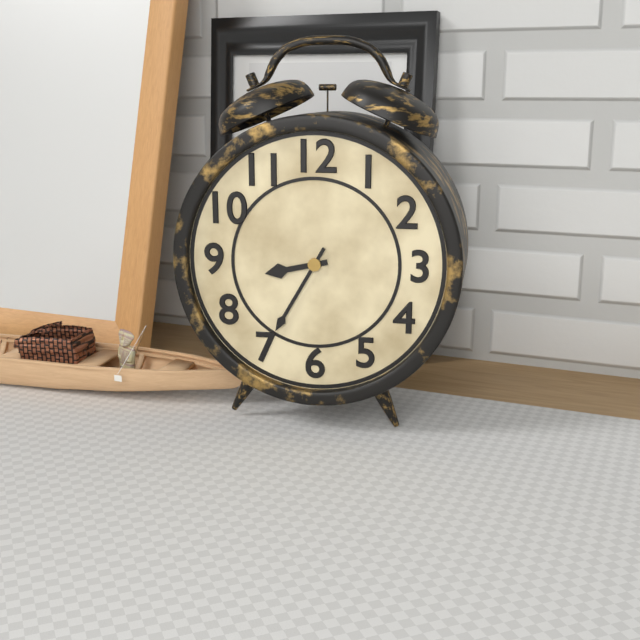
8 h 35 min
